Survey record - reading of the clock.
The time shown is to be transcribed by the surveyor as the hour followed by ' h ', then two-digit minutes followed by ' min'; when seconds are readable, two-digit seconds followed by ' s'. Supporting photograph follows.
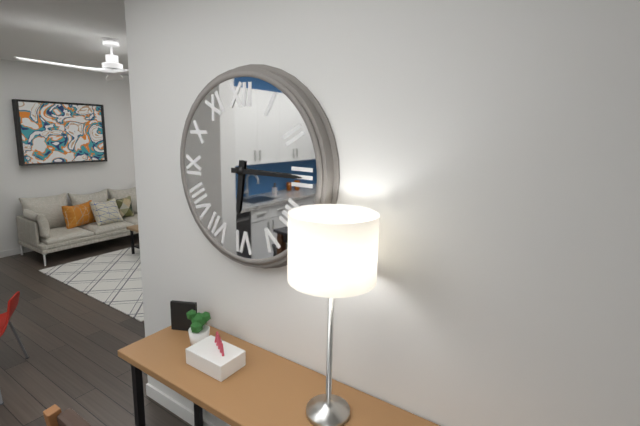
6 h 15 min
